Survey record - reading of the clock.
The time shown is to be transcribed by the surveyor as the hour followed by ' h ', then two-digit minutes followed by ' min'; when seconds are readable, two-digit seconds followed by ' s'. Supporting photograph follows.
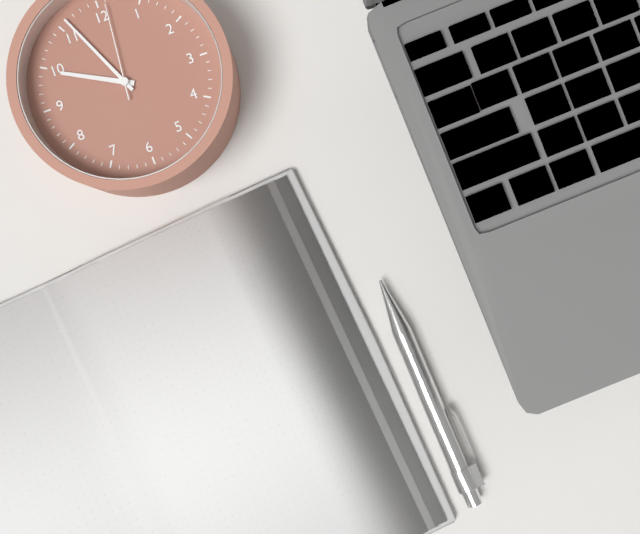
9 h 56 min 01 s
